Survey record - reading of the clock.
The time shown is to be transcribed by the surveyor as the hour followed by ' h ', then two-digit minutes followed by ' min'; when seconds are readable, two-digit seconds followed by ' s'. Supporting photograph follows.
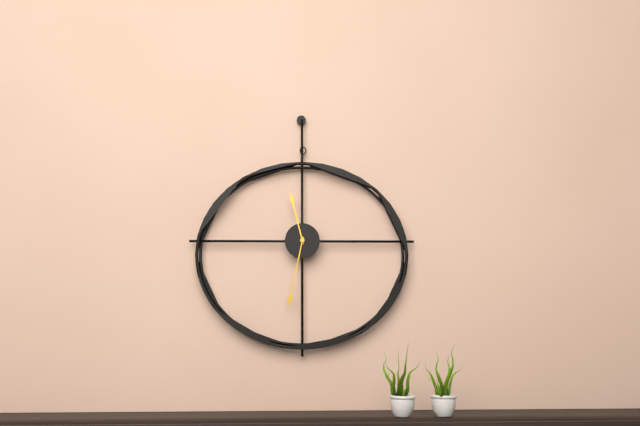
11 h 32 min
